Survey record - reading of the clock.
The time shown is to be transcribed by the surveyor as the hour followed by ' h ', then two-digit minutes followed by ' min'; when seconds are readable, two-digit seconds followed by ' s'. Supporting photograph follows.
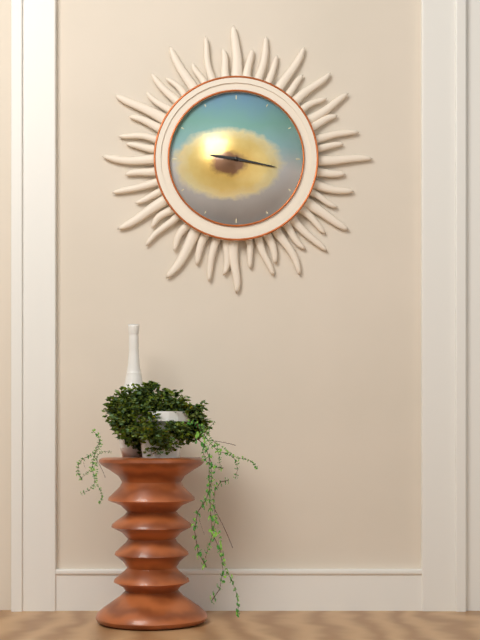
9 h 17 min
